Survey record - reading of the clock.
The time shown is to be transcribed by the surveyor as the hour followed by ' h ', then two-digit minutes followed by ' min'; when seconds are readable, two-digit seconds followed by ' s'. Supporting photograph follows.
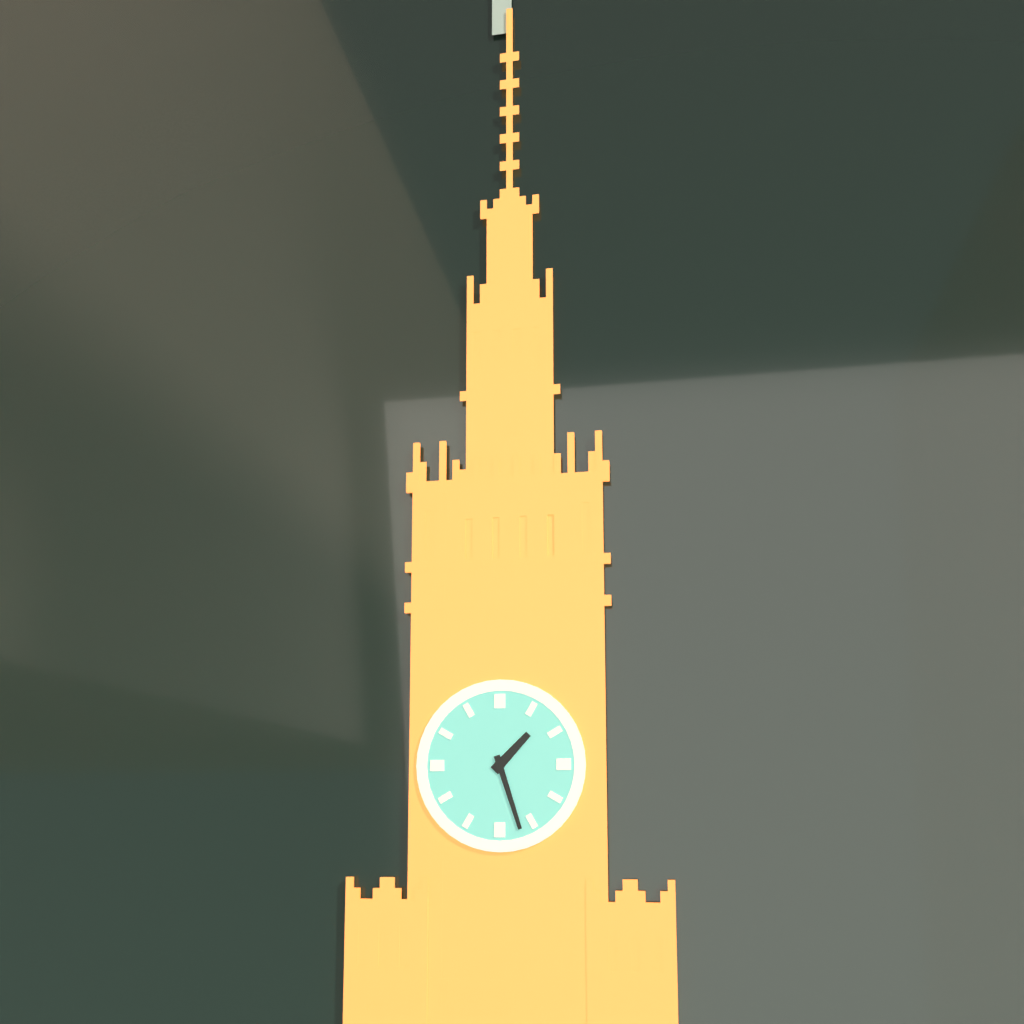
1 h 27 min
